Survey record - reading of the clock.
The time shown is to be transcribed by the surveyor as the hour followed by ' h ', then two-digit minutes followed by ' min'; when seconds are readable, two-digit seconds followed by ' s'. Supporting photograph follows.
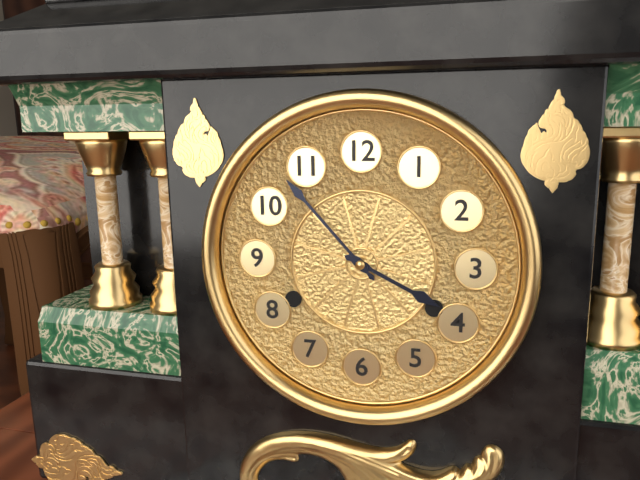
3 h 53 min
